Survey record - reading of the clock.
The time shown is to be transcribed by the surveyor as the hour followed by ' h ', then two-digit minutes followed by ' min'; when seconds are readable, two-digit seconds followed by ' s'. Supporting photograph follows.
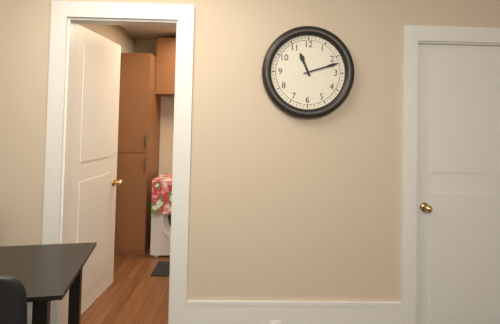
11 h 12 min
